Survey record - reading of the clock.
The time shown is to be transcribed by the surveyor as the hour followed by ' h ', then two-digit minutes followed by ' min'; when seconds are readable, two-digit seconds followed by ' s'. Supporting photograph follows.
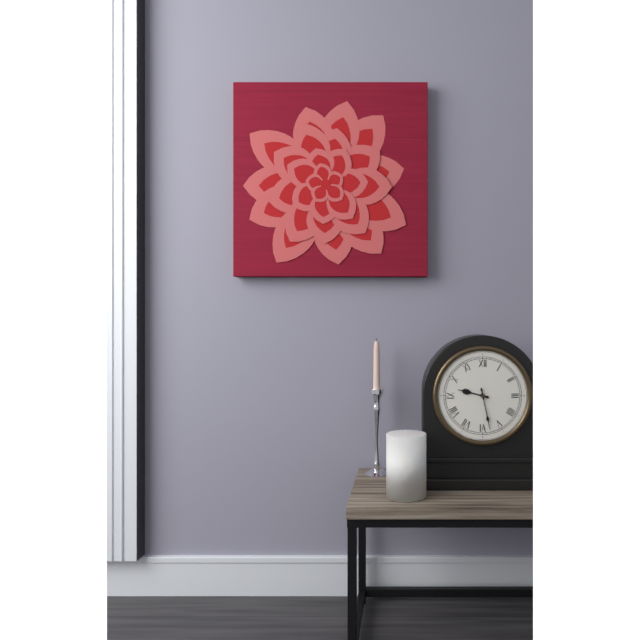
9 h 28 min
